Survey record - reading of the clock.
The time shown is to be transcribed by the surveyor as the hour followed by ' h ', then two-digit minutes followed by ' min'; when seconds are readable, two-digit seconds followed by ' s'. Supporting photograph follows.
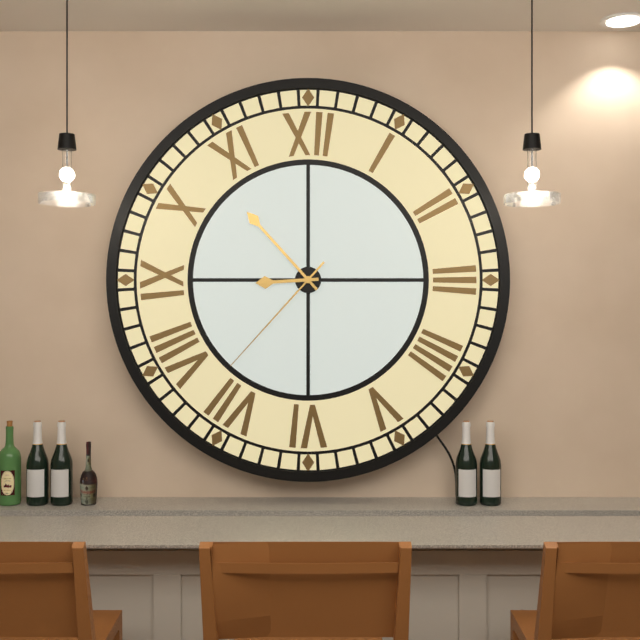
8 h 53 min 37 s
